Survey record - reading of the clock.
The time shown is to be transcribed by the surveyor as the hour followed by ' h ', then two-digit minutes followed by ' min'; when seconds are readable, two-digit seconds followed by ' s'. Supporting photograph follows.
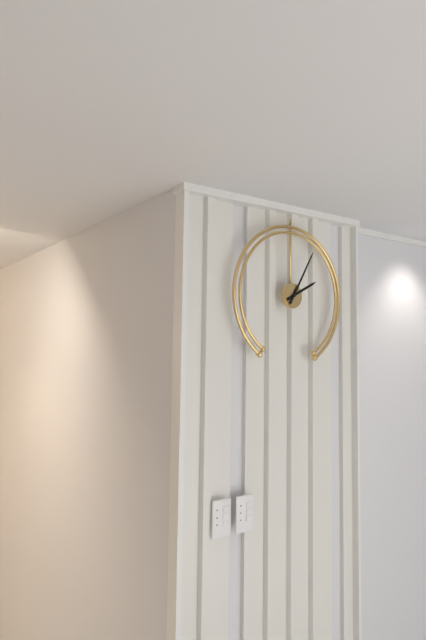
2 h 05 min
